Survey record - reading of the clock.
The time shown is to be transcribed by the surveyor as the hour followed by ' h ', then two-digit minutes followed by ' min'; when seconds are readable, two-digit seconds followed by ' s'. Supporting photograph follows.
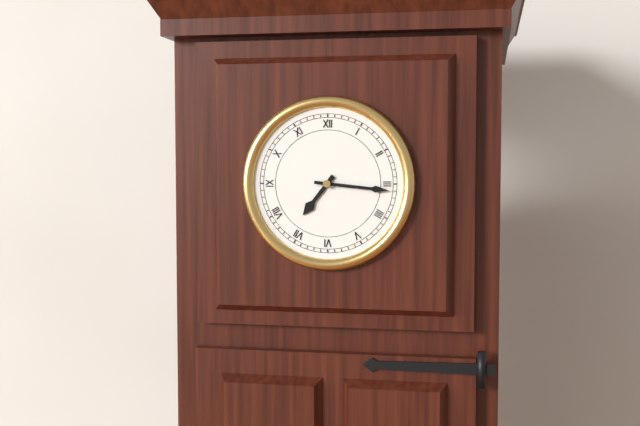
7 h 16 min
